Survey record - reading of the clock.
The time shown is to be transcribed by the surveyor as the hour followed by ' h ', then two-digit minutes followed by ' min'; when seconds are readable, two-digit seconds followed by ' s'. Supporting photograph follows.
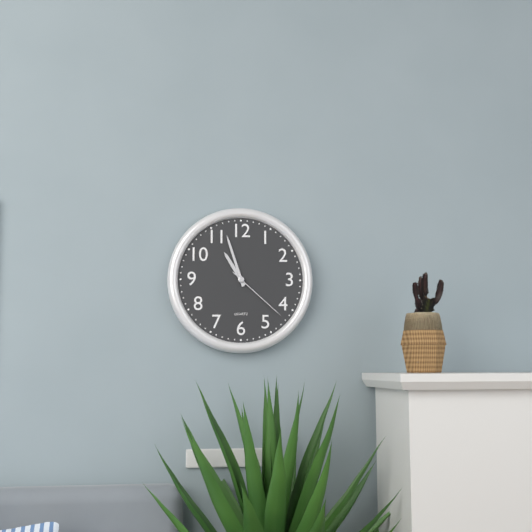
10 h 57 min 22 s
